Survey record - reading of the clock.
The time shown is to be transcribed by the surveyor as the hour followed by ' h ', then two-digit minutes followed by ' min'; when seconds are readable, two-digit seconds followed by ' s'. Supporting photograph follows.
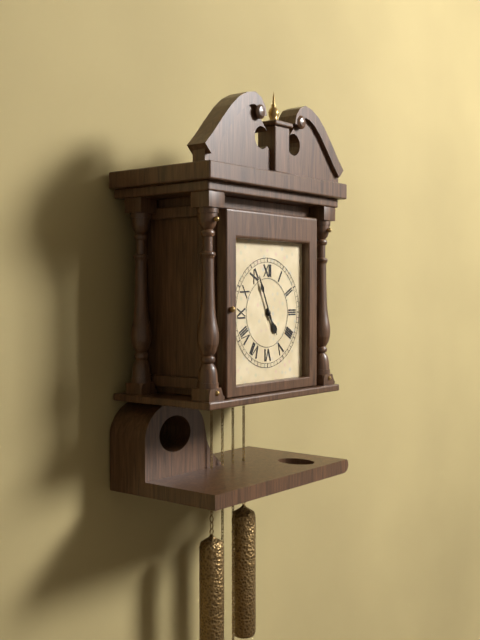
4 h 56 min
